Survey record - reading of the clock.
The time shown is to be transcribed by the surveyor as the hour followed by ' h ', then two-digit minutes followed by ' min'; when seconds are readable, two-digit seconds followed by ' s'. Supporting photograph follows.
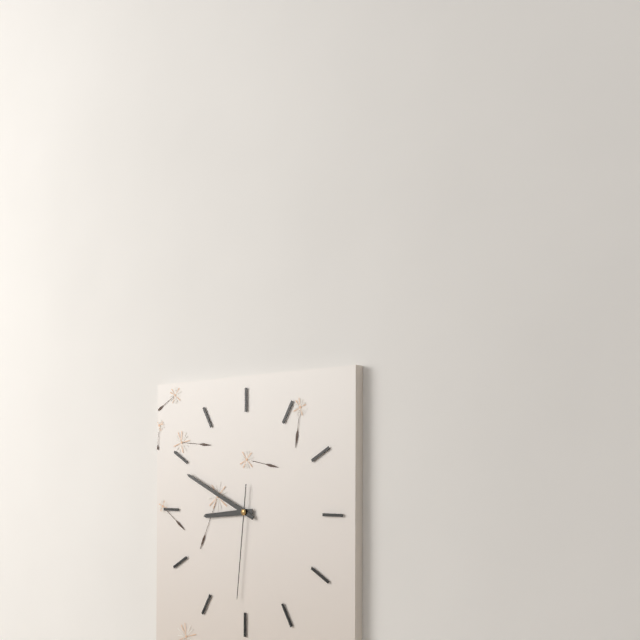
8 h 49 min 31 s
